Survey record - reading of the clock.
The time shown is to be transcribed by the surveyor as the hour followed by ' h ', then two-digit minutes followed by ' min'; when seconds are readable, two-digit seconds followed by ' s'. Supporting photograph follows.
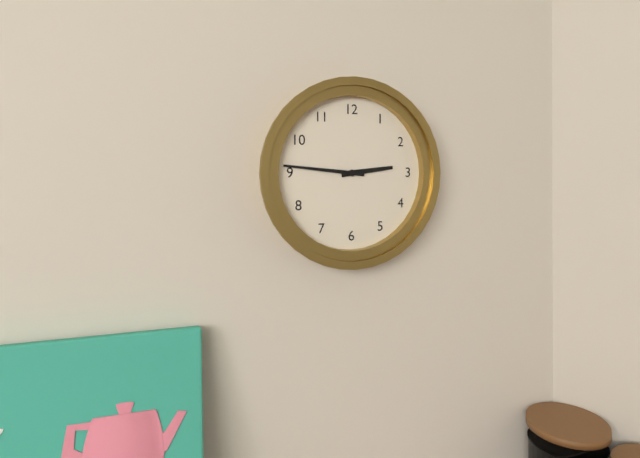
2 h 46 min
